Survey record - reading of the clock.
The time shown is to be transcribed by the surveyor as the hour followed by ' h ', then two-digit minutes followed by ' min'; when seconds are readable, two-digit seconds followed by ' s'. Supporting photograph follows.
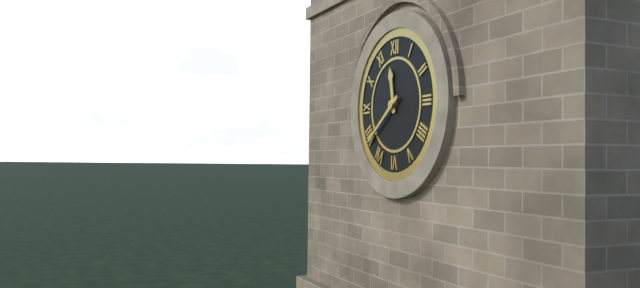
11 h 39 min
